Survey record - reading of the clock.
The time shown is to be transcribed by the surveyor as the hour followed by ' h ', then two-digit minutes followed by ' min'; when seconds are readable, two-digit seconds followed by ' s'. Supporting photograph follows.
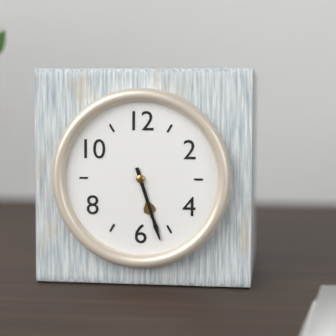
5 h 27 min
